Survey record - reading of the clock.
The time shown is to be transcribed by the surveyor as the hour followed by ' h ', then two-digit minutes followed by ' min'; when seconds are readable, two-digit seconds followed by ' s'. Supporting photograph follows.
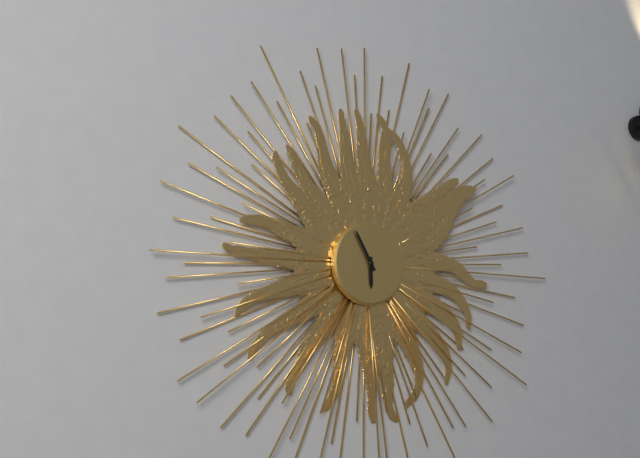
5 h 55 min
